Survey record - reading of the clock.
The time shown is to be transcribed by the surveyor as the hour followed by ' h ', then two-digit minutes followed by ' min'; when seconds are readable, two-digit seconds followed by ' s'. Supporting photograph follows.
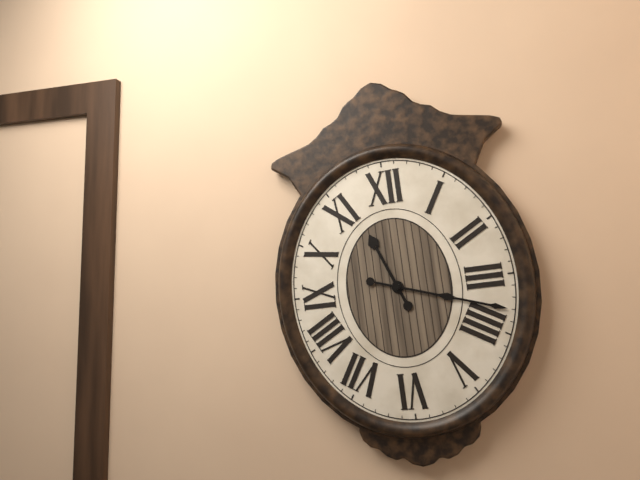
11 h 18 min
